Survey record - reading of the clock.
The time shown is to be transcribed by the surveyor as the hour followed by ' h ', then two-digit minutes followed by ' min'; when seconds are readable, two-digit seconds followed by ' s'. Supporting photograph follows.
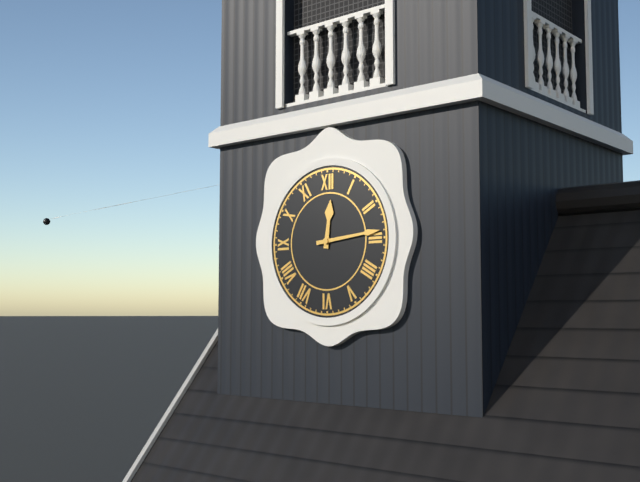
12 h 14 min
